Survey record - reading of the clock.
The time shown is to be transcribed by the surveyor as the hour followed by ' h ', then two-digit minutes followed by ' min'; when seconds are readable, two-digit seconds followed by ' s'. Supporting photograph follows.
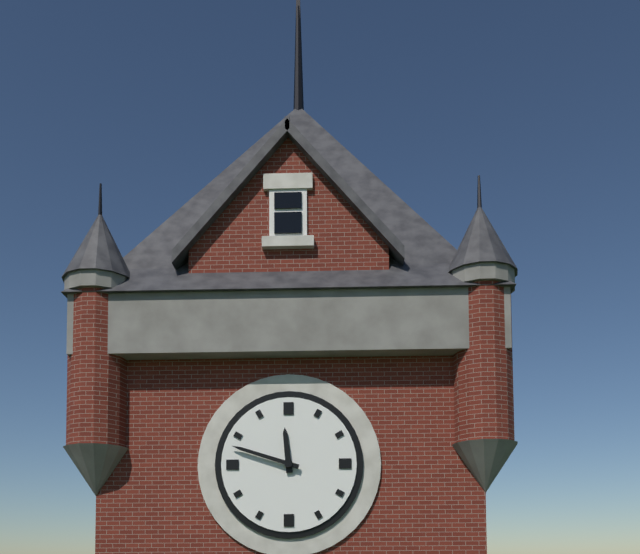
11 h 48 min
